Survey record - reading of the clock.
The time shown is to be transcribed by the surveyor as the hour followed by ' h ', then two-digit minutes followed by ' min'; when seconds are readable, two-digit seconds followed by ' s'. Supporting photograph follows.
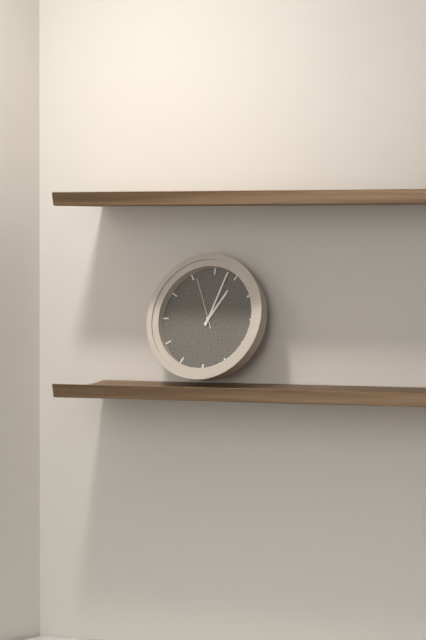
1 h 03 min 56 s
